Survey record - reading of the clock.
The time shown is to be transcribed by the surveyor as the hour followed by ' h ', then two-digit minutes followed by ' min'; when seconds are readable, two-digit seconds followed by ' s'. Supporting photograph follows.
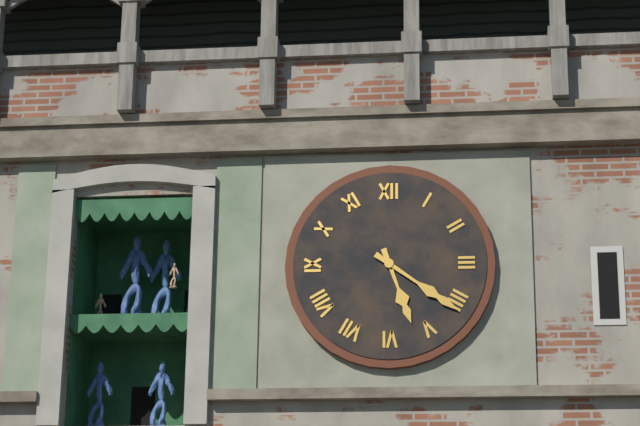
5 h 21 min
